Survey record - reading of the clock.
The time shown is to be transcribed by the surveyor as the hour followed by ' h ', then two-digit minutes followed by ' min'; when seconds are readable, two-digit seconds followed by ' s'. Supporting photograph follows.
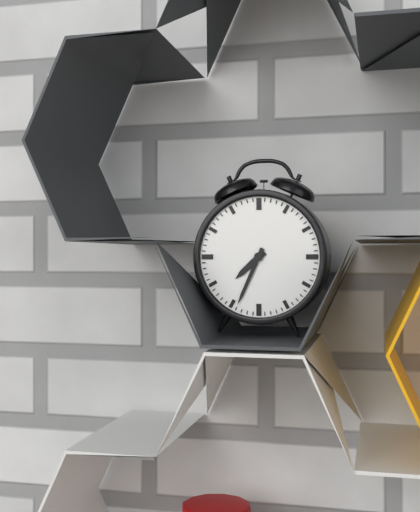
7 h 34 min
